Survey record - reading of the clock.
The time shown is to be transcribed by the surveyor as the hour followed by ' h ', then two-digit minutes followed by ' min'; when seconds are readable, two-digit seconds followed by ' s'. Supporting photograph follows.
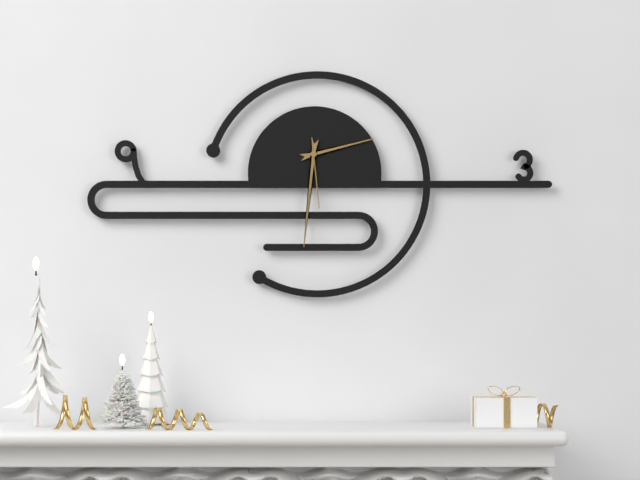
2 h 31 min 29 s
